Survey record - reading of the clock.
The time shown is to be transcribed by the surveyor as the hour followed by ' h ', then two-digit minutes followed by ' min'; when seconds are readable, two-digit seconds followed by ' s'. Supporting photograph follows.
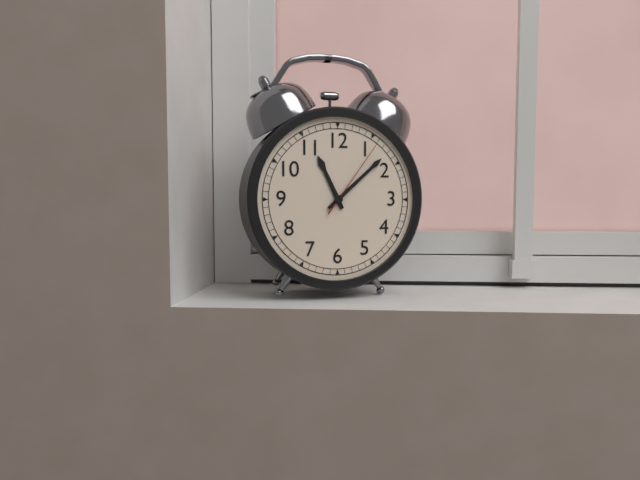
11 h 08 min 06 s
